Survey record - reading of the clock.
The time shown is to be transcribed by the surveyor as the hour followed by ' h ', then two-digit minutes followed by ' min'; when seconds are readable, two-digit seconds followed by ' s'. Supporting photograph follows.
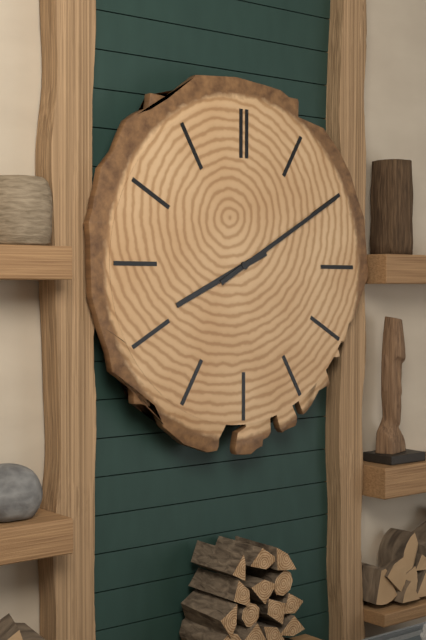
8 h 10 min
